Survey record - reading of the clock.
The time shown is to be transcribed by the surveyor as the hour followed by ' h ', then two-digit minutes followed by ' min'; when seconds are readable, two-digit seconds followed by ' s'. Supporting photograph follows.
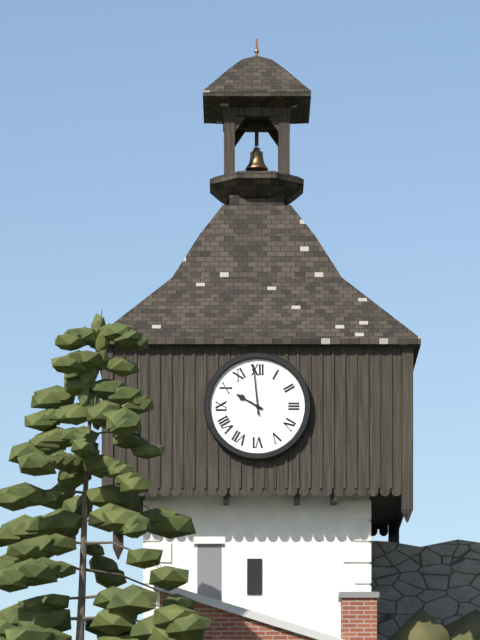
9 h 59 min
